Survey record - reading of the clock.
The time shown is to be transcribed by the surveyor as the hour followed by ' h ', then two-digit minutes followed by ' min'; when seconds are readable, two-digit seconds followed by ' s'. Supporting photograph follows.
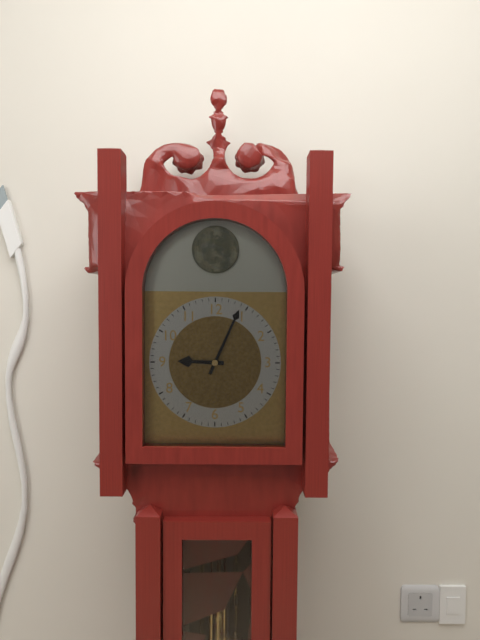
9 h 04 min
